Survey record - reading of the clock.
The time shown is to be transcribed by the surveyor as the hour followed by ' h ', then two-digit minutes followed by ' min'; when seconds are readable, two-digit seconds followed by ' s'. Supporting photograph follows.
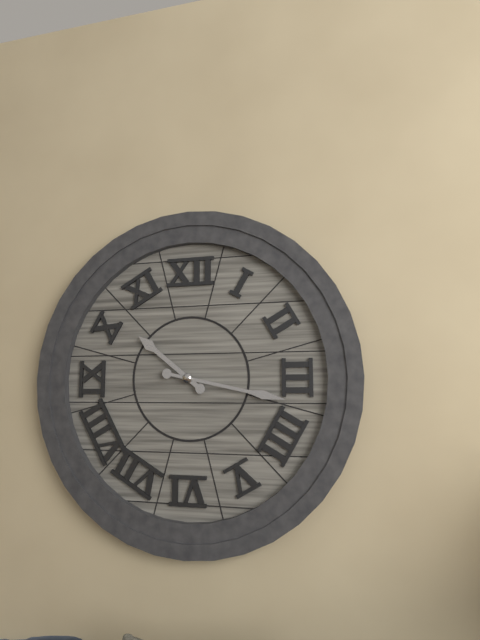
10 h 17 min
